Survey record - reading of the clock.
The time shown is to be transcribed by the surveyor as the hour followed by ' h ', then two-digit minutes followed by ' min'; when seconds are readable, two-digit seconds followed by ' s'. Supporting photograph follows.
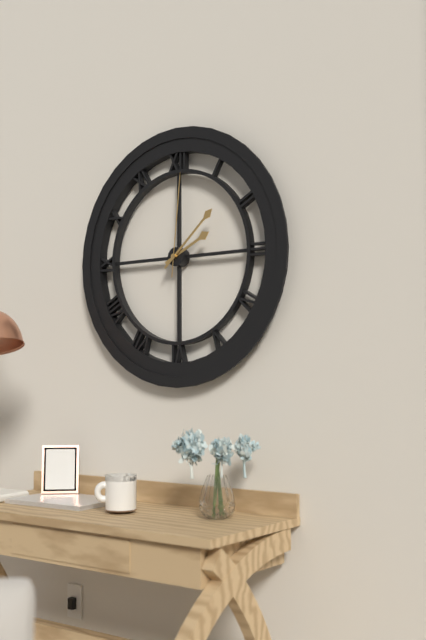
2 h 08 min 01 s
